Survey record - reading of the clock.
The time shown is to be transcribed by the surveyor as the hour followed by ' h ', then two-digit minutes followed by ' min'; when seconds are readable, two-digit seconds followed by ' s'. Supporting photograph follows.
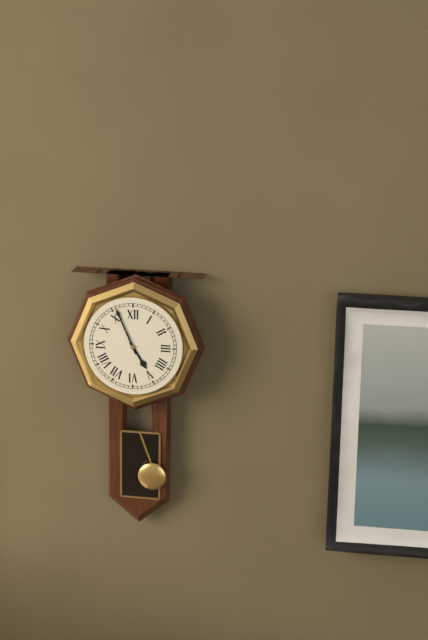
4 h 56 min
